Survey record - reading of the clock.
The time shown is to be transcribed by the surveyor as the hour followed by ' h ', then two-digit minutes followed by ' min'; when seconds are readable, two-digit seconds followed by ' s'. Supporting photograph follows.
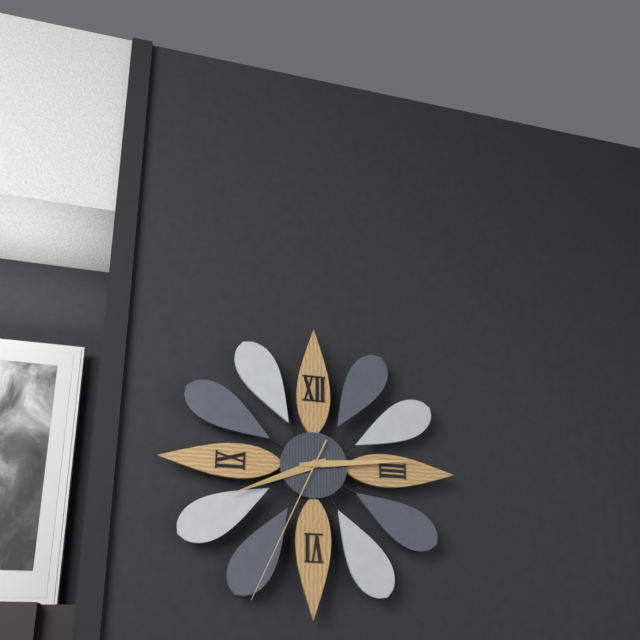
8 h 14 min 34 s
